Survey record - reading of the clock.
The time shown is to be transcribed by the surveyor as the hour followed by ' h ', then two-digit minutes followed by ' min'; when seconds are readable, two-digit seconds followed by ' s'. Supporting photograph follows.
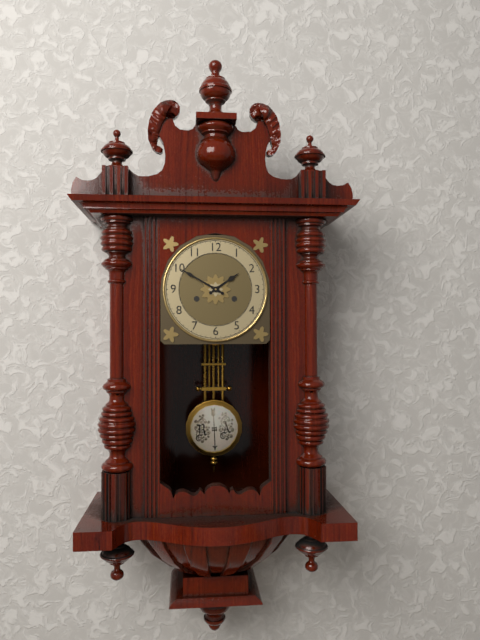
1 h 50 min
